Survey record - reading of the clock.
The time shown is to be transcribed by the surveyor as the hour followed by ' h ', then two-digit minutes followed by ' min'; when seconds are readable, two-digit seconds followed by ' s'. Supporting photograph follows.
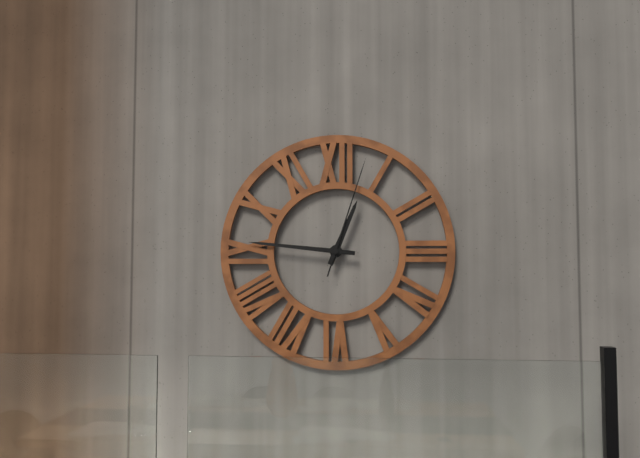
12 h 46 min 03 s
